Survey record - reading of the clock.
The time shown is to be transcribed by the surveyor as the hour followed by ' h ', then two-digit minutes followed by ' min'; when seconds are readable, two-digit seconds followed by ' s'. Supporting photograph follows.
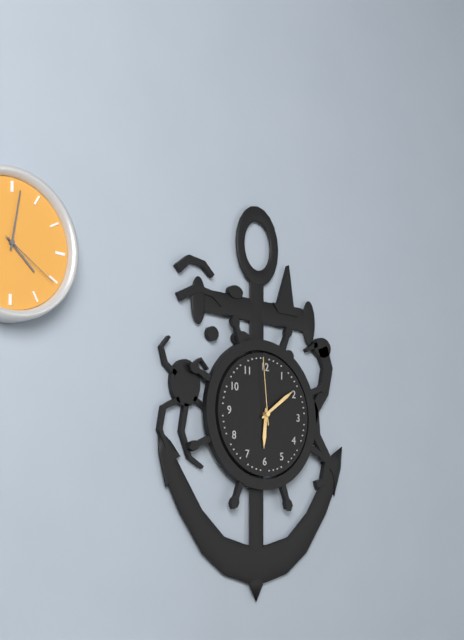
6 h 09 min 59 s
